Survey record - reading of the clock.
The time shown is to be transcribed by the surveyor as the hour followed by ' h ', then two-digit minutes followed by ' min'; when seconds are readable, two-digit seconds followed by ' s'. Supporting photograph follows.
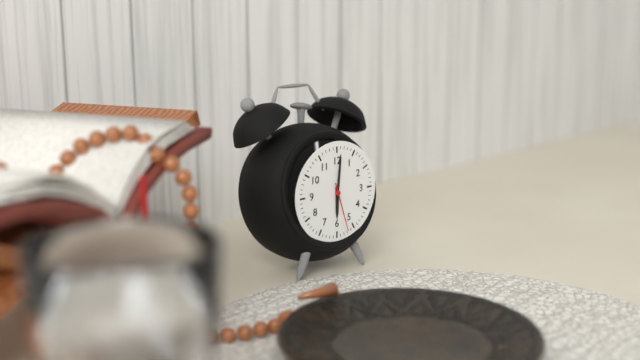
6 h 01 min
